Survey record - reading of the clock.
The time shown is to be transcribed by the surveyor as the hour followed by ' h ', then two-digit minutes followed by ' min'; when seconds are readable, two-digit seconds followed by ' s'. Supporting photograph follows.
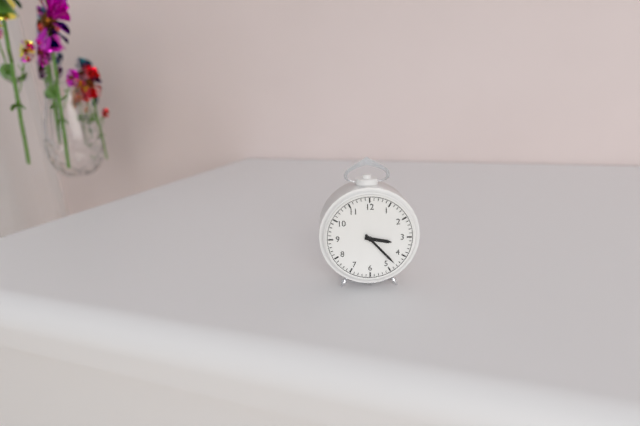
3 h 23 min
